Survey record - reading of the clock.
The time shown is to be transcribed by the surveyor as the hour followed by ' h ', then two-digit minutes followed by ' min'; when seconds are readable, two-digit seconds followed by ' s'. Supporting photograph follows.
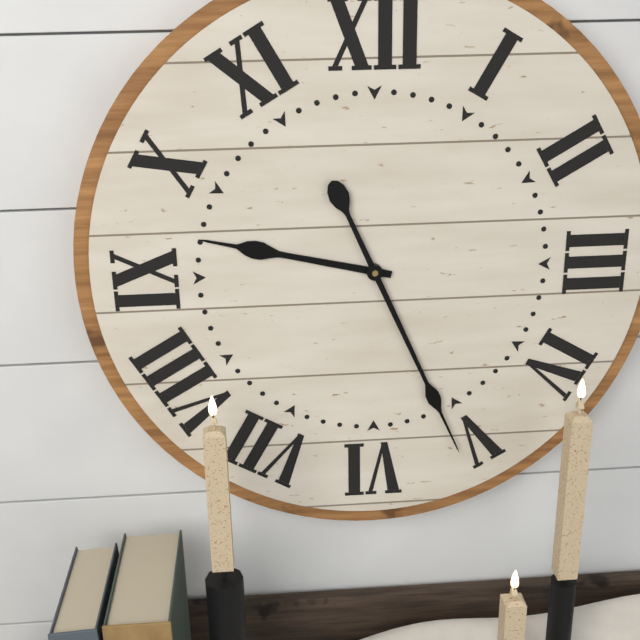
9 h 26 min
